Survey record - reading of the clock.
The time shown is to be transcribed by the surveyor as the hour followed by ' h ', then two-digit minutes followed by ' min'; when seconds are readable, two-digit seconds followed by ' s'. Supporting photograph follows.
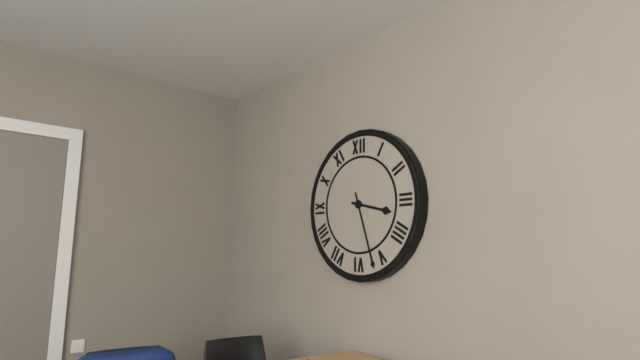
3 h 27 min
